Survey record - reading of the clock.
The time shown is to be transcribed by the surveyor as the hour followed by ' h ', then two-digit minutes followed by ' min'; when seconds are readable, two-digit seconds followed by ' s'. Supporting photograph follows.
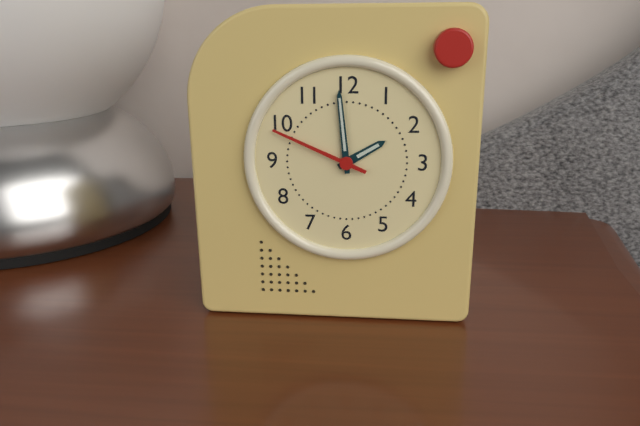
1 h 59 min 49 s
